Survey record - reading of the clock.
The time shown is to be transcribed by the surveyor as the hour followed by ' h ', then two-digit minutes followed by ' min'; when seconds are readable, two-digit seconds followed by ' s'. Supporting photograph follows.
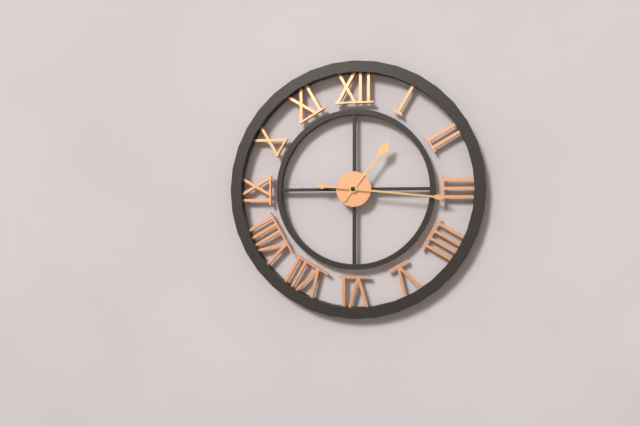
1 h 16 min
